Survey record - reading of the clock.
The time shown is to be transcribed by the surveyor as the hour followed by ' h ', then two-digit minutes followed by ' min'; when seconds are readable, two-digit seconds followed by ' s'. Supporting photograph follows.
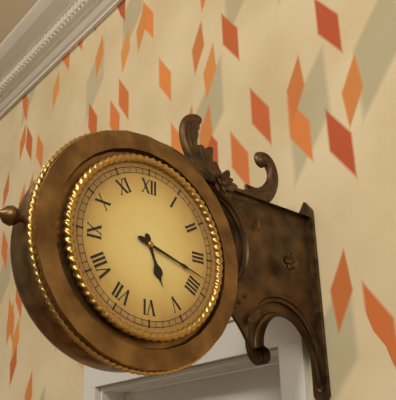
5 h 18 min
